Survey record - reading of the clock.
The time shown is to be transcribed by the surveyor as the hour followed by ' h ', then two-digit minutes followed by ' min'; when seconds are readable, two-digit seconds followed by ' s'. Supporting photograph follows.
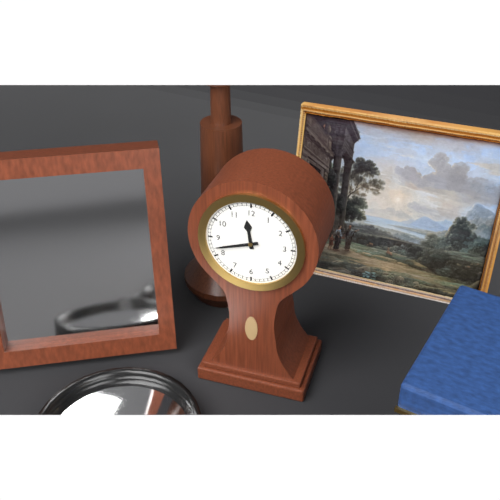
11 h 42 min
